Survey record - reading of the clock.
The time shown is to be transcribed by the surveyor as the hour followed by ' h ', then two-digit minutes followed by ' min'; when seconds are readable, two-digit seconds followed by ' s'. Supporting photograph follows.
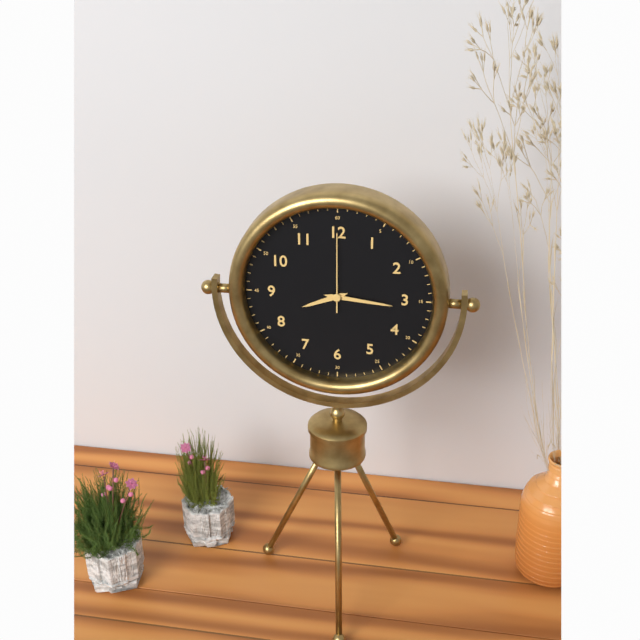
8 h 16 min 00 s
